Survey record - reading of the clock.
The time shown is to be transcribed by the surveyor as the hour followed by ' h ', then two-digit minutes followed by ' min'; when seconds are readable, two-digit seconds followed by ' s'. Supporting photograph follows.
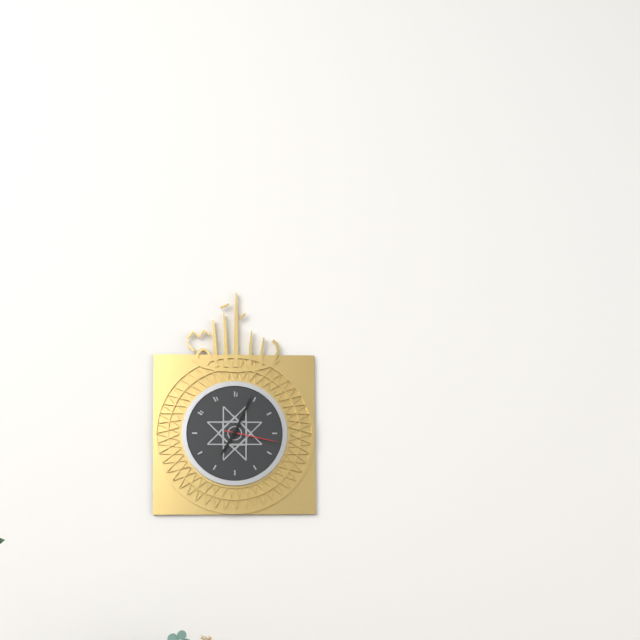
7 h 04 min 17 s
